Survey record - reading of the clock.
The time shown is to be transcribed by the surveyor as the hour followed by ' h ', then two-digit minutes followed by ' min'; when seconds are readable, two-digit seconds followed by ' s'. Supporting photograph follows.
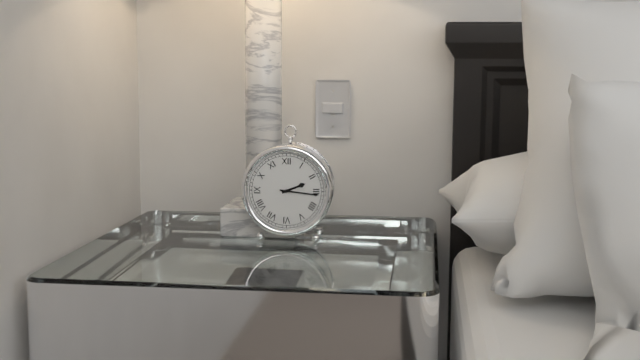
2 h 16 min
